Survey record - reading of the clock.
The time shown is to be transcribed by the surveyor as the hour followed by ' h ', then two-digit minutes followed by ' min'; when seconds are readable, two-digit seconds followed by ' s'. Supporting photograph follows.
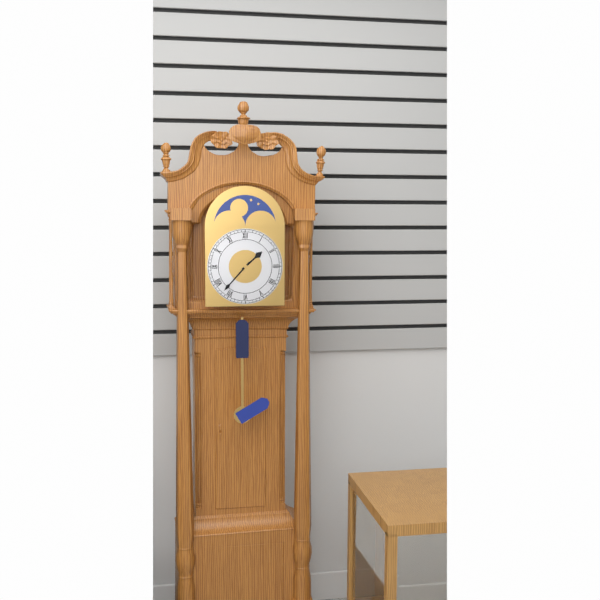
1 h 37 min
